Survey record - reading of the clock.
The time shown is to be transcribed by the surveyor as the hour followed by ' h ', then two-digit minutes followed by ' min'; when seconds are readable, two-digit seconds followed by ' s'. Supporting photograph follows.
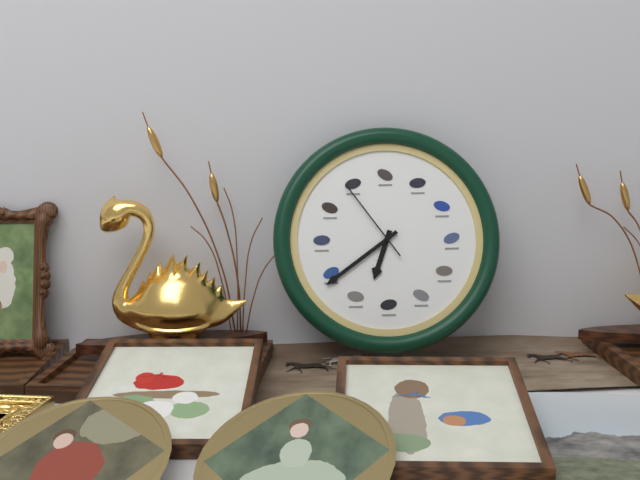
6 h 39 min 54 s
